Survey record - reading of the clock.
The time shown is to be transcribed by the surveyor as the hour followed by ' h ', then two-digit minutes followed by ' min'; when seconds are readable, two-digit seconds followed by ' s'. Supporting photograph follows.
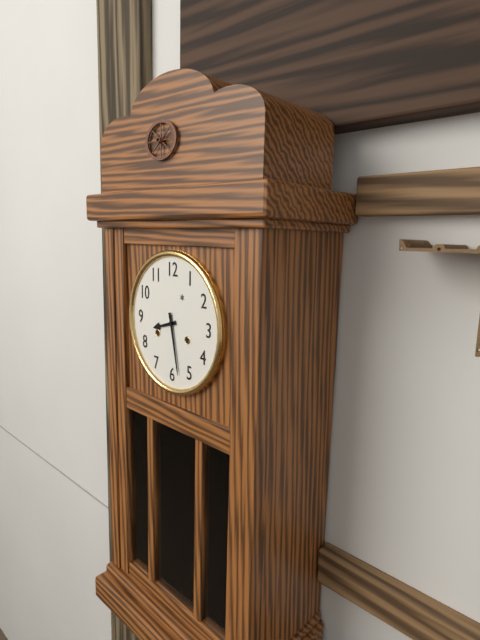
8 h 28 min
